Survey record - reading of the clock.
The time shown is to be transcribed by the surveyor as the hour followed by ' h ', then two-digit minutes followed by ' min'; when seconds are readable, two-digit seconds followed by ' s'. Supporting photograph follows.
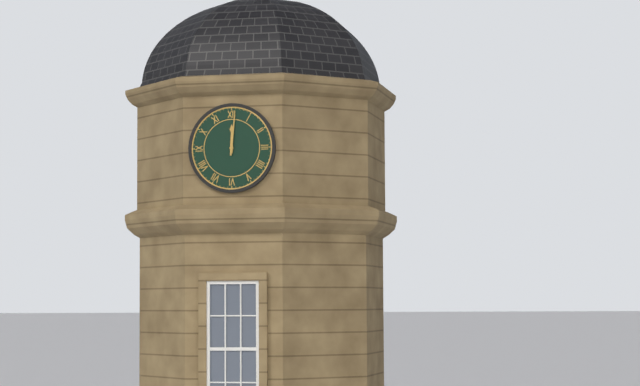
12 h 01 min
